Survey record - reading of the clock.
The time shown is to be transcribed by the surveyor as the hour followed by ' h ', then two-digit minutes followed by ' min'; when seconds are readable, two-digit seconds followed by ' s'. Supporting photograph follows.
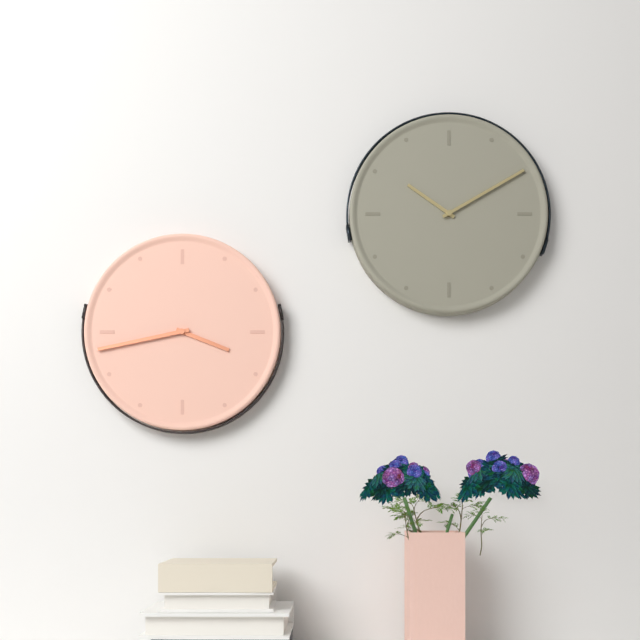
3 h 43 min
